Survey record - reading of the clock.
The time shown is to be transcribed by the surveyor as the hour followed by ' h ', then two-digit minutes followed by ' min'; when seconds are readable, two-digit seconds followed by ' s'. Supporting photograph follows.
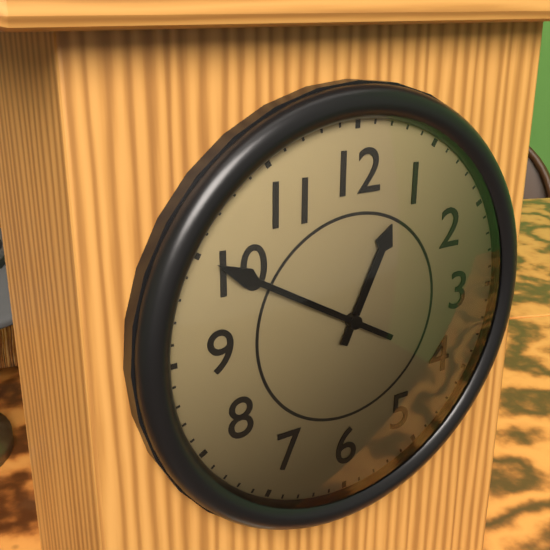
12 h 50 min
